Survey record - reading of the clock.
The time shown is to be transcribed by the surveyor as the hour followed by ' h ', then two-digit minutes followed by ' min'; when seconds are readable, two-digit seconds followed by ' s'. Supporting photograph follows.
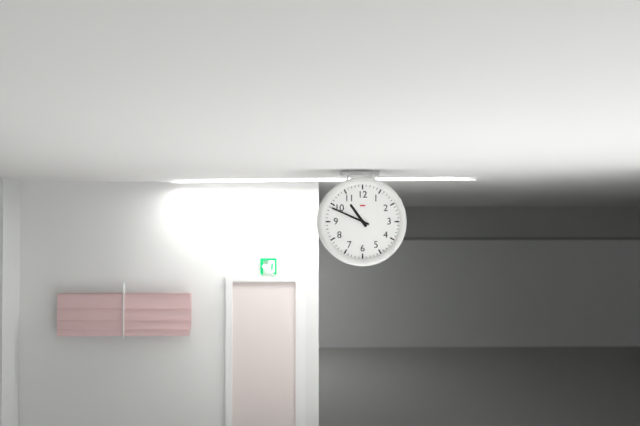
10 h 49 min
